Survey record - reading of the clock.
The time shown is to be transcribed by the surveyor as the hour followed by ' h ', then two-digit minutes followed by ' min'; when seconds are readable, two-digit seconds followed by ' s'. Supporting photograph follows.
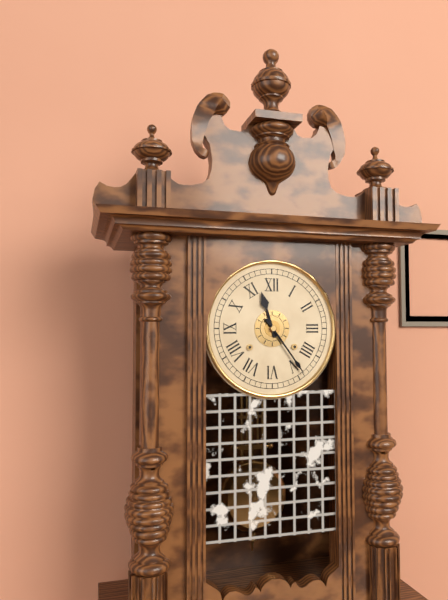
11 h 24 min
